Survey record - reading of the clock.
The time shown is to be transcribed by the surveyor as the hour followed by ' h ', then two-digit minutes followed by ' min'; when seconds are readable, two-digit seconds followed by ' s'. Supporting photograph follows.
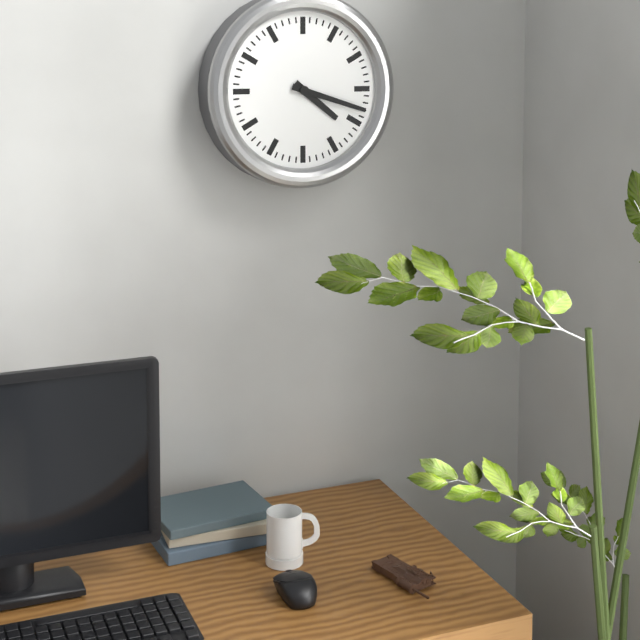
4 h 18 min
